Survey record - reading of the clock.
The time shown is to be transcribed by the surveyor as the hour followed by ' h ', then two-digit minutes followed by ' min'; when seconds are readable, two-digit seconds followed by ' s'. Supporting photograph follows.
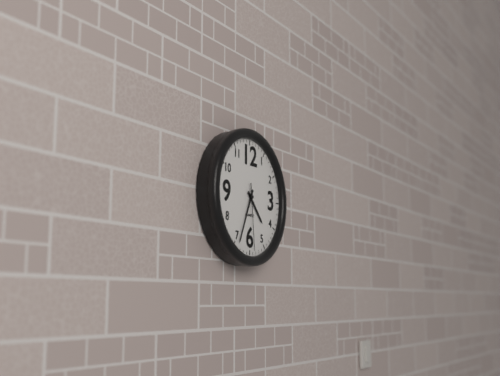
4 h 34 min 29 s
